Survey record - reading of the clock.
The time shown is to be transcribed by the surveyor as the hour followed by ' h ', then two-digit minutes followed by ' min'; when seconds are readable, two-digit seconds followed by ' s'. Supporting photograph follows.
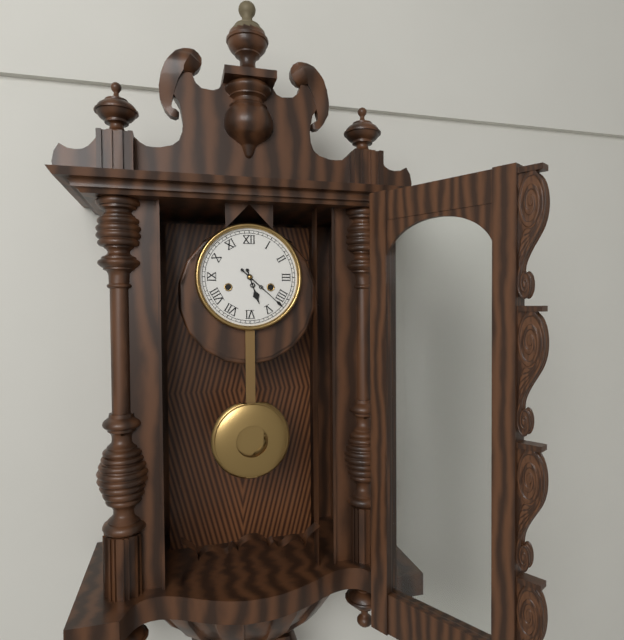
5 h 22 min
